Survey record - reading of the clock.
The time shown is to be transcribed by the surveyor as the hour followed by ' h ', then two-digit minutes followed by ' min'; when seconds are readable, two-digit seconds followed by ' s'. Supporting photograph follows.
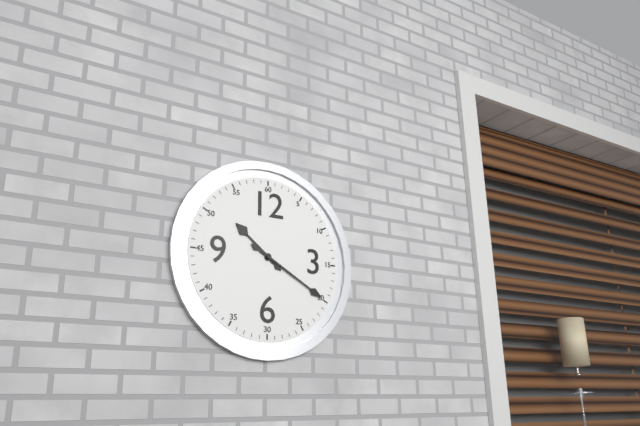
10 h 20 min
